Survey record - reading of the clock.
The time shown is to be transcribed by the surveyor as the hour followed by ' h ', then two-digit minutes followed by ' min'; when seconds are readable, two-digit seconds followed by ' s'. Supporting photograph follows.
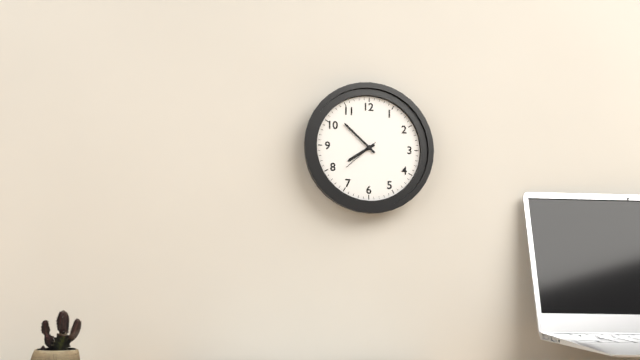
7 h 52 min
